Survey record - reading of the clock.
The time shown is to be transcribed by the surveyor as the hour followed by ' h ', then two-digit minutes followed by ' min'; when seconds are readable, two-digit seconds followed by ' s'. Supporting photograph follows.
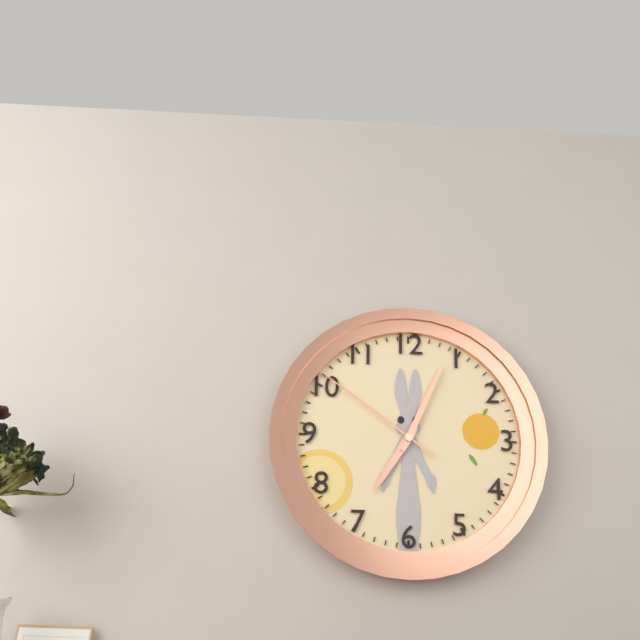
7 h 04 min 51 s
